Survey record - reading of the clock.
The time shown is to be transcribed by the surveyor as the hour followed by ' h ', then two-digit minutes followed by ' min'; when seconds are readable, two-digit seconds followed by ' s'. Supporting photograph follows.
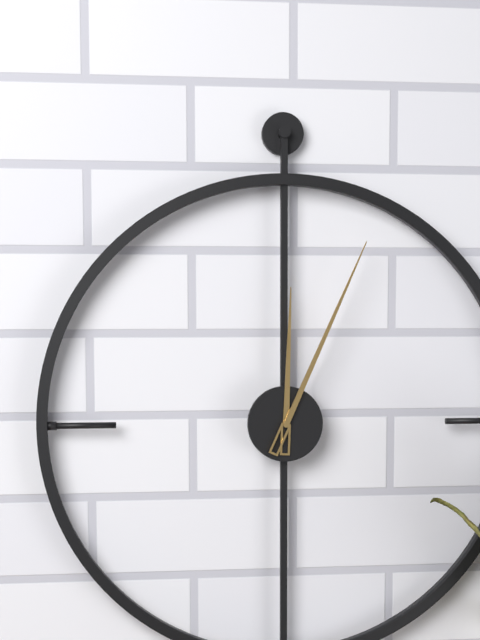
12 h 04 min
